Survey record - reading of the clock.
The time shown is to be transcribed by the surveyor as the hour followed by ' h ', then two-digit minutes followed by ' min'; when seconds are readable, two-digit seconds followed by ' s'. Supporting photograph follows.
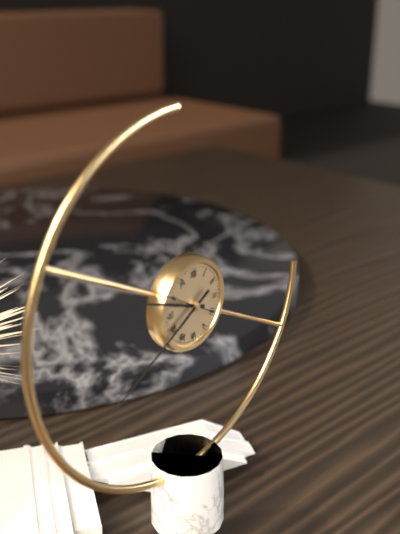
9 h 40 min 50 s
